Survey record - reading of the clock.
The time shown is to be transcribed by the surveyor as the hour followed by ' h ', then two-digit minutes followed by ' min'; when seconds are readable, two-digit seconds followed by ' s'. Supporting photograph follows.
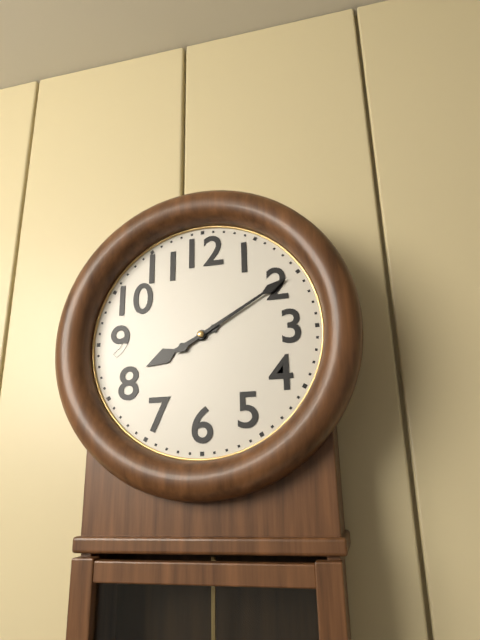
8 h 10 min
